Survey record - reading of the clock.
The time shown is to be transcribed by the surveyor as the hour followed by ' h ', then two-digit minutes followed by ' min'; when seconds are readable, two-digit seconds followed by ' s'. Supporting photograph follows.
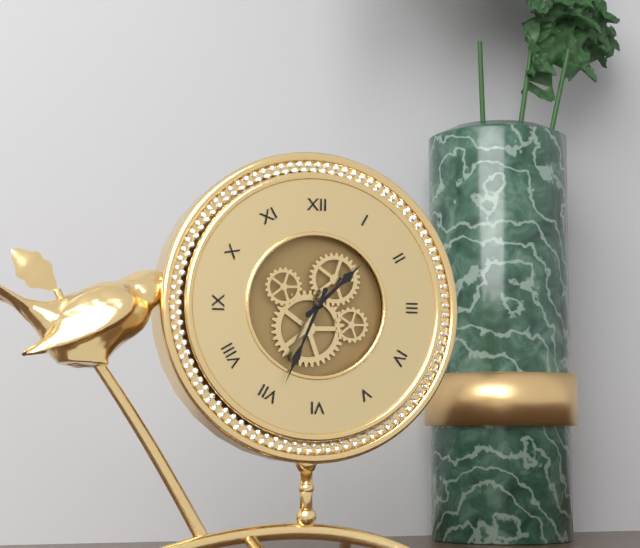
1 h 34 min
